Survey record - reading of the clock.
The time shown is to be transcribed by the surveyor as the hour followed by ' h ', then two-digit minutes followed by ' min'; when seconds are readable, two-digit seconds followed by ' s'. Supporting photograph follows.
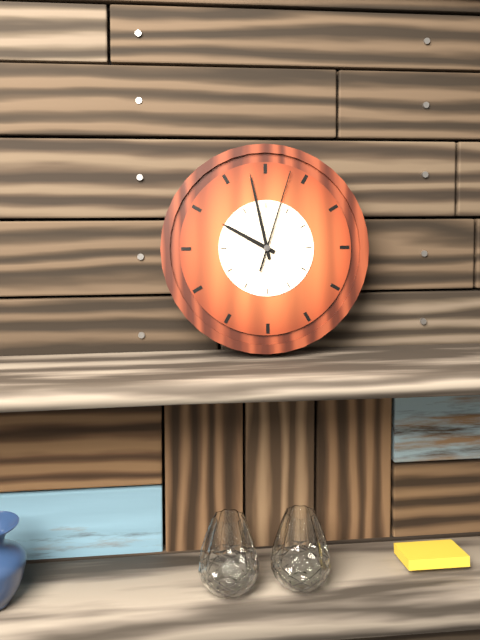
9 h 58 min 03 s
